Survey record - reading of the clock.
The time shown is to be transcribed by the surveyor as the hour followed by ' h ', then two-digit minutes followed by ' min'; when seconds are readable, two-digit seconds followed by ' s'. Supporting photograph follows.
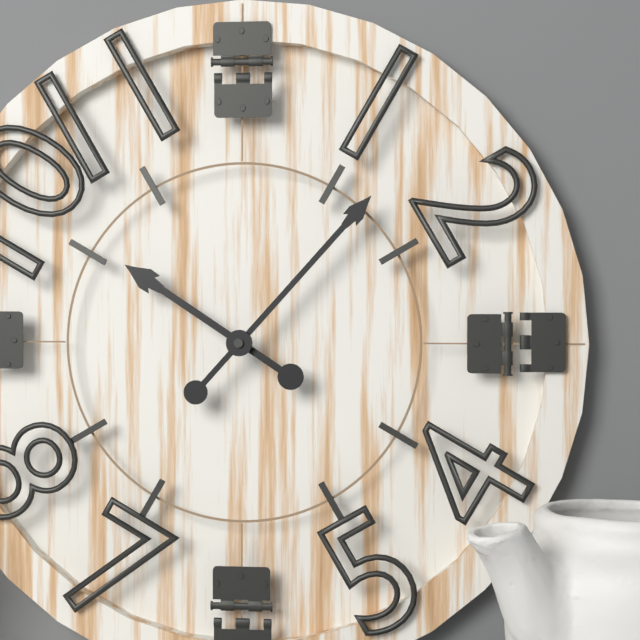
10 h 07 min
